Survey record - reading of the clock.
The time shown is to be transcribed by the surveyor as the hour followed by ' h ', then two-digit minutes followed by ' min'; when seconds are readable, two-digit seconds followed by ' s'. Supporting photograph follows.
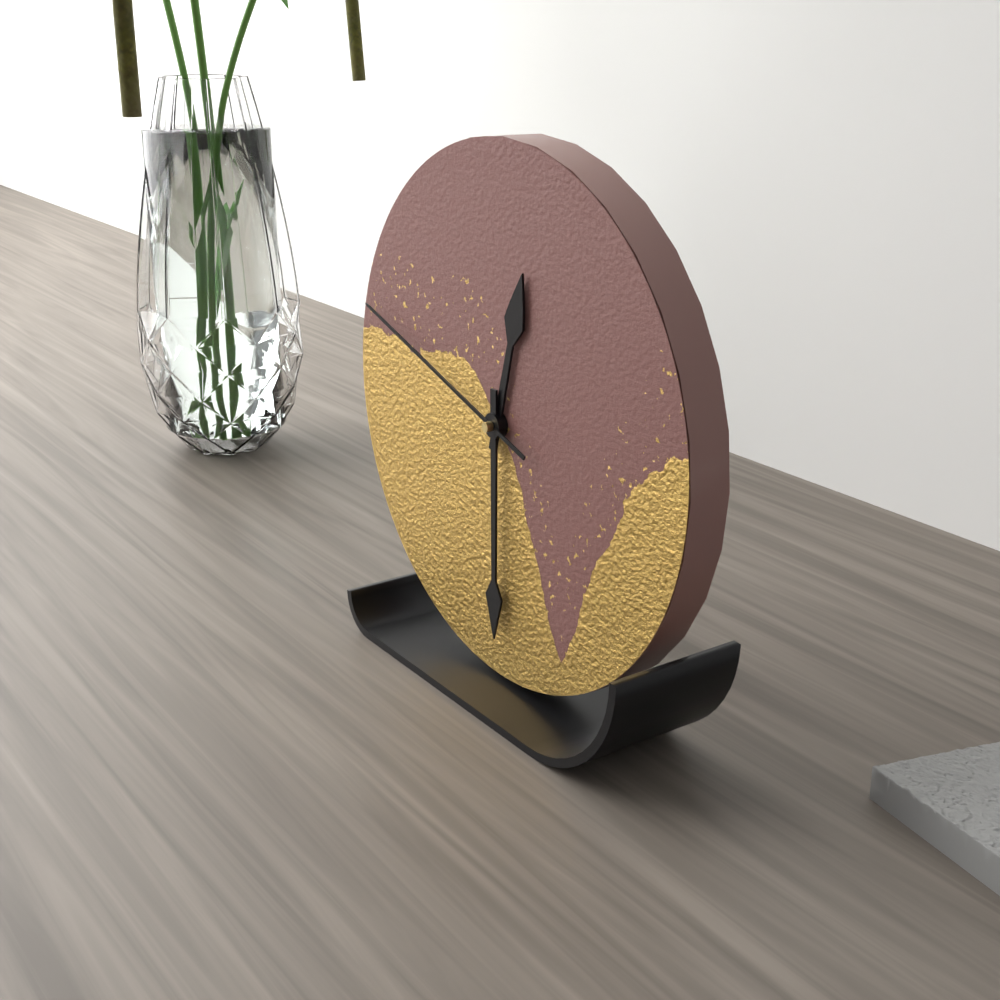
12 h 30 min 48 s
